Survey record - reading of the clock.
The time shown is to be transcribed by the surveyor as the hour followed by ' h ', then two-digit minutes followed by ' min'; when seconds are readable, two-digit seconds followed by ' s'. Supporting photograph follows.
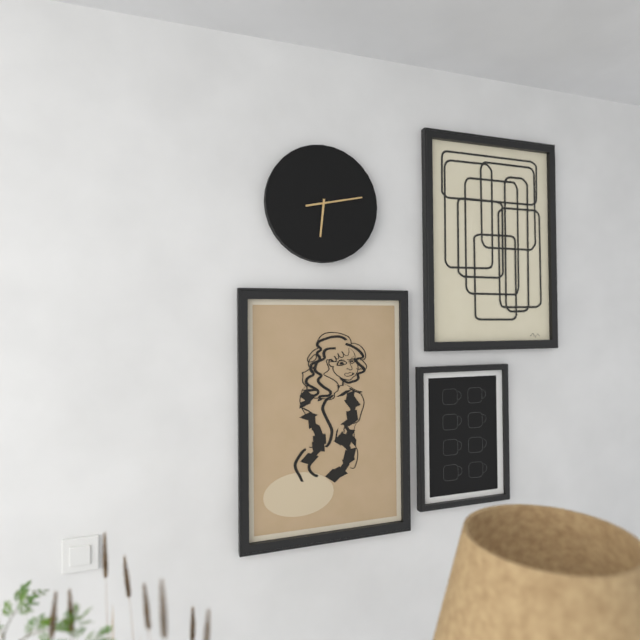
6 h 13 min
